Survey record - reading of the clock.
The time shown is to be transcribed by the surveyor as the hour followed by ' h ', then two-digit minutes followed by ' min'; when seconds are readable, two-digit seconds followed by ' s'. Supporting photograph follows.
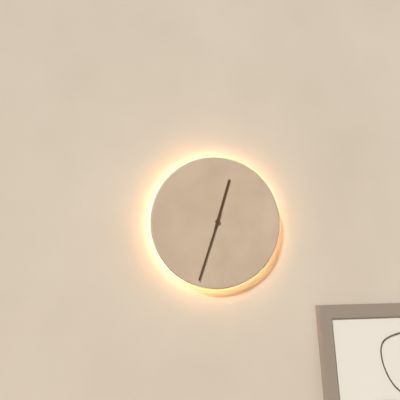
12 h 33 min
